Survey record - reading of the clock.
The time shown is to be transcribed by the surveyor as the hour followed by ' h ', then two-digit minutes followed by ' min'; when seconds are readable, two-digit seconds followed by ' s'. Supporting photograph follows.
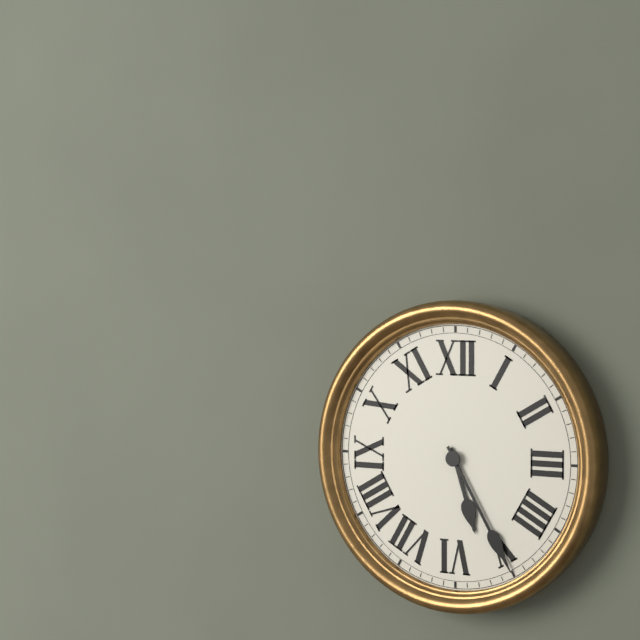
5 h 25 min
